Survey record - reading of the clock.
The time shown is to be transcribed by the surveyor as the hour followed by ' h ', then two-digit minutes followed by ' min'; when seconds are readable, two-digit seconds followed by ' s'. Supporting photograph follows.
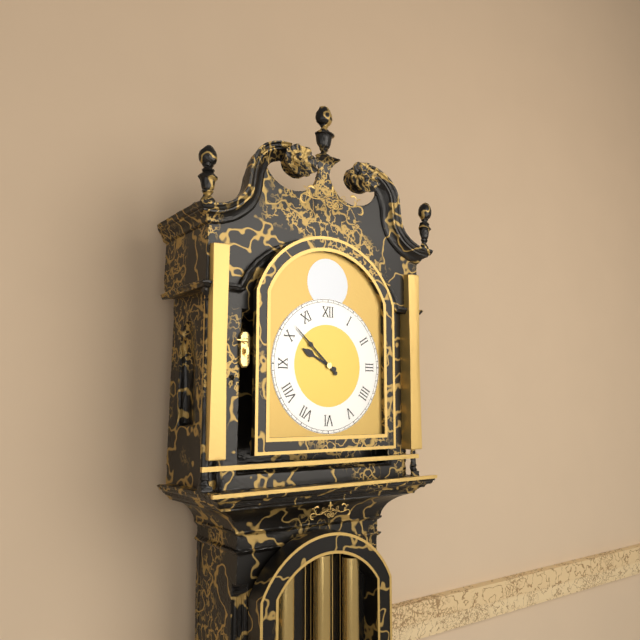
9 h 52 min
